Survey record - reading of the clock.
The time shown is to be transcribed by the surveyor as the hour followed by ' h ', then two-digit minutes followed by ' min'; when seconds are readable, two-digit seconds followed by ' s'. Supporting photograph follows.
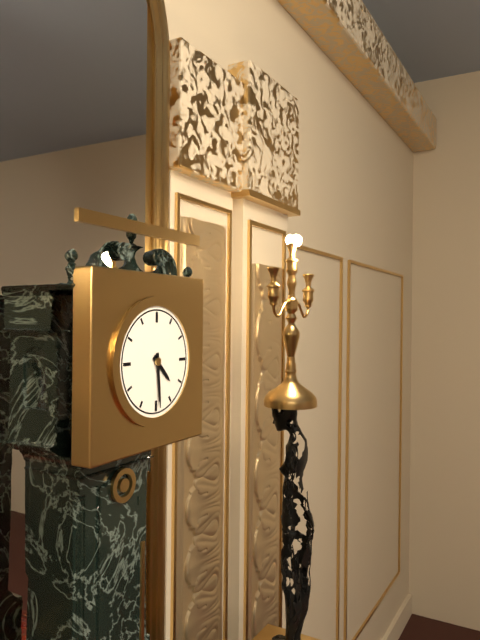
4 h 29 min
